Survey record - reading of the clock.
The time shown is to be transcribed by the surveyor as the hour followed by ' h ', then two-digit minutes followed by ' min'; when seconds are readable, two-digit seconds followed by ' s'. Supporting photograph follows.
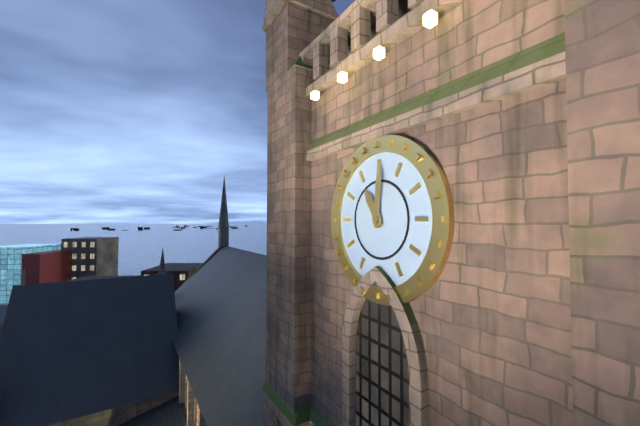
11 h 01 min
